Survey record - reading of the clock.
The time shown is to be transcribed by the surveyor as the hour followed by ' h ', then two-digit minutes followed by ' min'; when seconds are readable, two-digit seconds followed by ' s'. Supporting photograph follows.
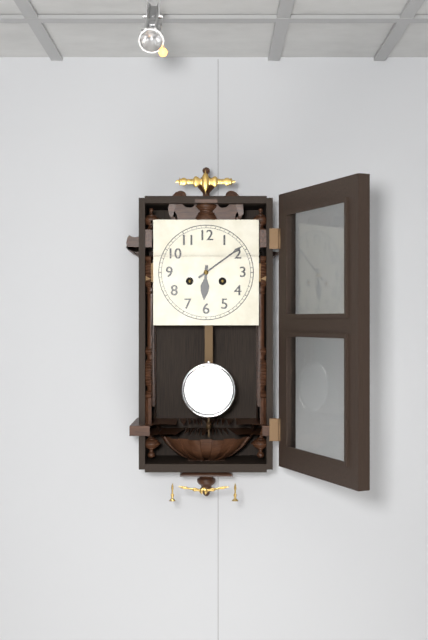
6 h 09 min
